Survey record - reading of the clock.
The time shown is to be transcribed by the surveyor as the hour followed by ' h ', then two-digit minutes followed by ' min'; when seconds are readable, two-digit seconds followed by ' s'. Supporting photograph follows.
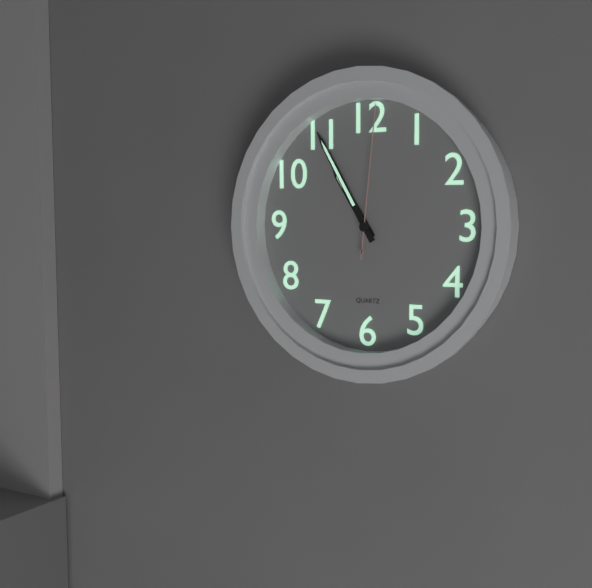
10 h 55 min 01 s
